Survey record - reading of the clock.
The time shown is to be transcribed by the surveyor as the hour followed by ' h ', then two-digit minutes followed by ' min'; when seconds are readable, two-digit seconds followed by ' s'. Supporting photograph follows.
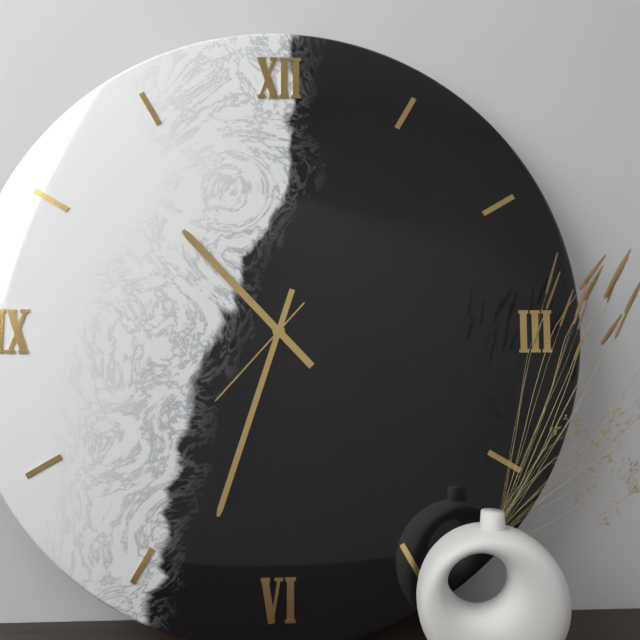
10 h 33 min 37 s
